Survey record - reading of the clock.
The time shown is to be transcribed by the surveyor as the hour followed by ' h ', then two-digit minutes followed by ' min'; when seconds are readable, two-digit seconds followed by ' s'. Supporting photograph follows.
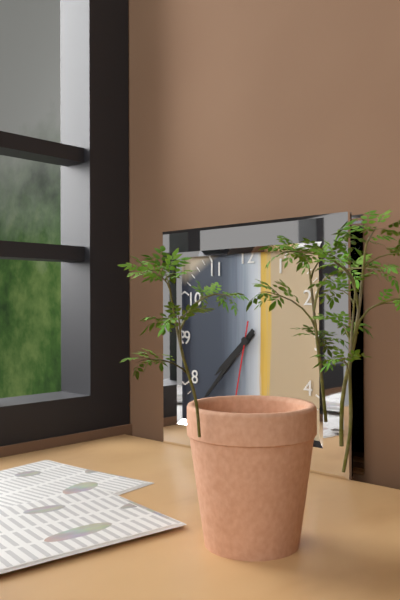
7 h 37 min
